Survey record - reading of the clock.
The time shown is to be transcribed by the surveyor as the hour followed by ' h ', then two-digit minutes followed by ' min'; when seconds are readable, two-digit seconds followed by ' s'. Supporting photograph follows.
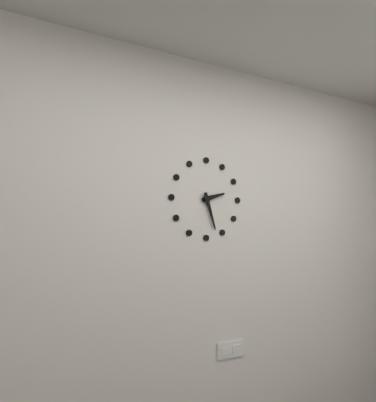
2 h 27 min
